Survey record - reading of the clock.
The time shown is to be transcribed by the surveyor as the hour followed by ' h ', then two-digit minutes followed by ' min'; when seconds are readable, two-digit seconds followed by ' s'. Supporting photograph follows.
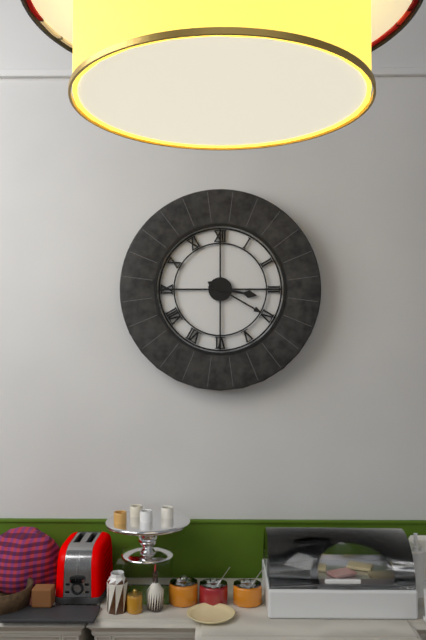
3 h 20 min
